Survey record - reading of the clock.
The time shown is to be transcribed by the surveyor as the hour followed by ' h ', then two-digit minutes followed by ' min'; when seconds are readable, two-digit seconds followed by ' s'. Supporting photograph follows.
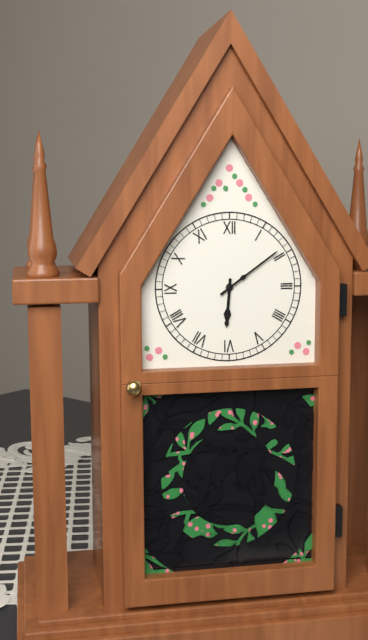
6 h 09 min
